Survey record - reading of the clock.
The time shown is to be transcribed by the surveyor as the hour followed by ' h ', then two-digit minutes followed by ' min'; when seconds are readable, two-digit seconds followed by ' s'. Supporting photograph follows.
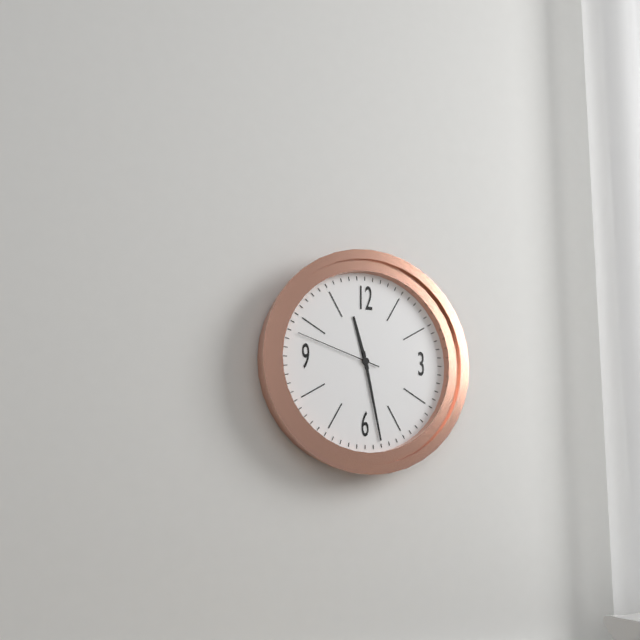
11 h 28 min 48 s
